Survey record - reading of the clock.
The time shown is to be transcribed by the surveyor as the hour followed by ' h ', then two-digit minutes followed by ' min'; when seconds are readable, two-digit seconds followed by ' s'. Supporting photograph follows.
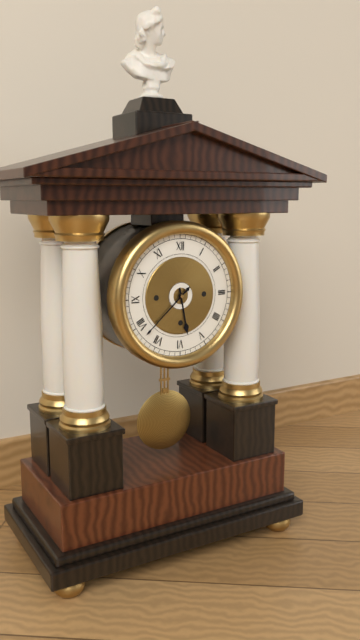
5 h 38 min
